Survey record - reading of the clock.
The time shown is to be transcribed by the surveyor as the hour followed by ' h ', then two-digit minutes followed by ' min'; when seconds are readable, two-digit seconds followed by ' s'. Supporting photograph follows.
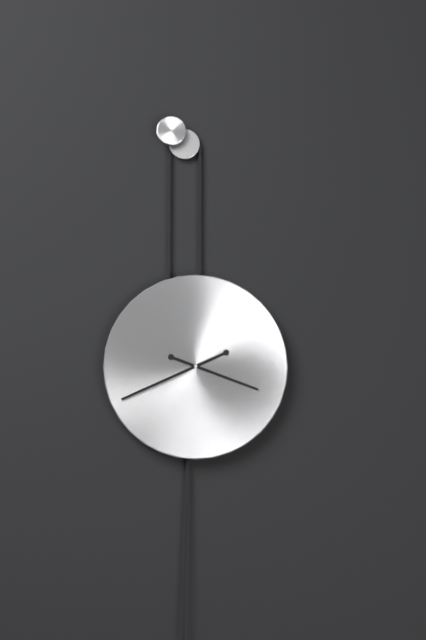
3 h 41 min
